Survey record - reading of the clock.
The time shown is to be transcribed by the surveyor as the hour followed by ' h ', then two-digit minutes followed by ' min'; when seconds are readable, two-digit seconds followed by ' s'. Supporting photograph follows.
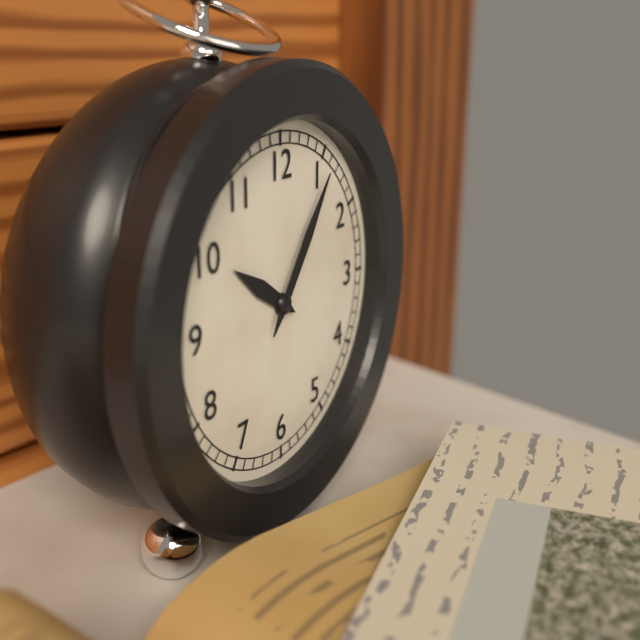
10 h 06 min
